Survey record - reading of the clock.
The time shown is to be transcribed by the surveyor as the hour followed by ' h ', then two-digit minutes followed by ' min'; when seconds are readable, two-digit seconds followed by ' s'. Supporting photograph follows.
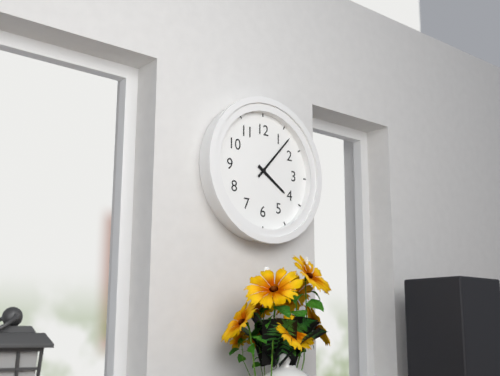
4 h 07 min
